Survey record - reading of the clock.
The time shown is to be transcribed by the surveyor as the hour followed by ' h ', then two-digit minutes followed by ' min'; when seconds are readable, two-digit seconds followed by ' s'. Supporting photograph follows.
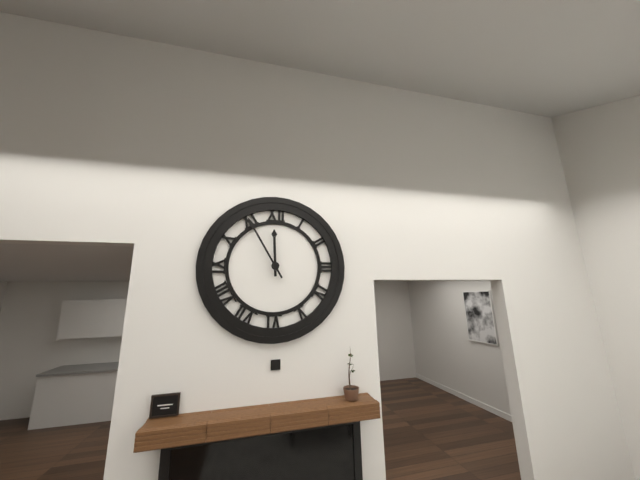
11 h 55 min
